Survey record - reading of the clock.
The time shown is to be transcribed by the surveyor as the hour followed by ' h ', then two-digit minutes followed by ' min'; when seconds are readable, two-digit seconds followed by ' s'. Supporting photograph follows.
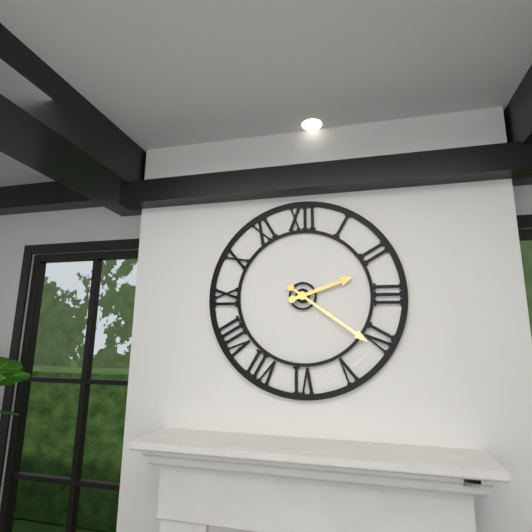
2 h 21 min
